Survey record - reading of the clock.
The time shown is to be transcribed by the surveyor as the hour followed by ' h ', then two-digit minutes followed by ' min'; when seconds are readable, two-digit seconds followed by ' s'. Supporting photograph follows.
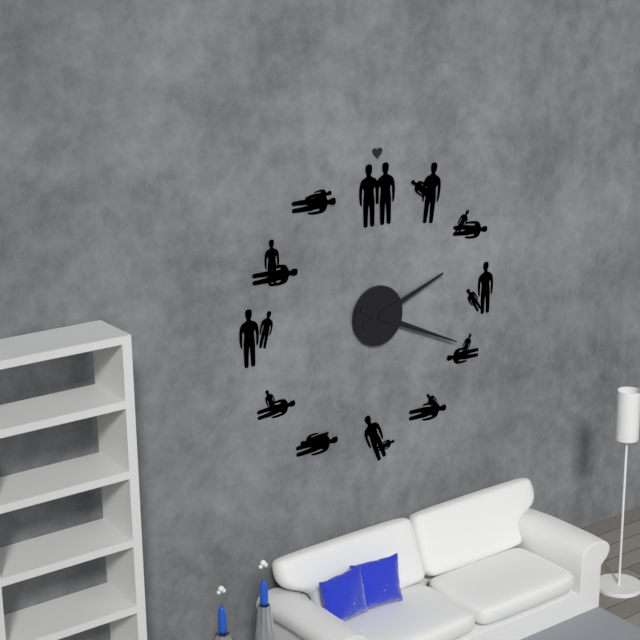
2 h 19 min
